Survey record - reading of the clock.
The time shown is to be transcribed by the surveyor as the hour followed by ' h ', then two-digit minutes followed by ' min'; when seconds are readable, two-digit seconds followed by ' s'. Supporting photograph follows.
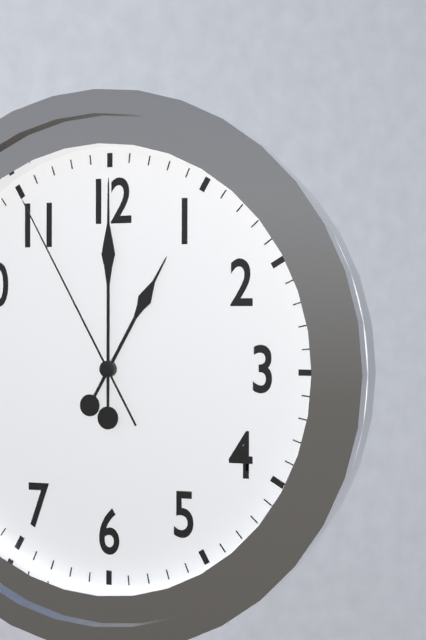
1 h 00 min 55 s
